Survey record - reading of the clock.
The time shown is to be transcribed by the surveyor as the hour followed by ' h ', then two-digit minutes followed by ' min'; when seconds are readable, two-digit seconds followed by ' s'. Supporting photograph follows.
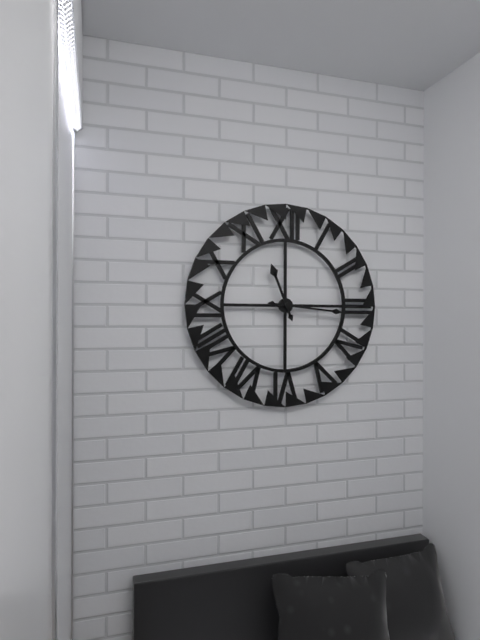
11 h 16 min
